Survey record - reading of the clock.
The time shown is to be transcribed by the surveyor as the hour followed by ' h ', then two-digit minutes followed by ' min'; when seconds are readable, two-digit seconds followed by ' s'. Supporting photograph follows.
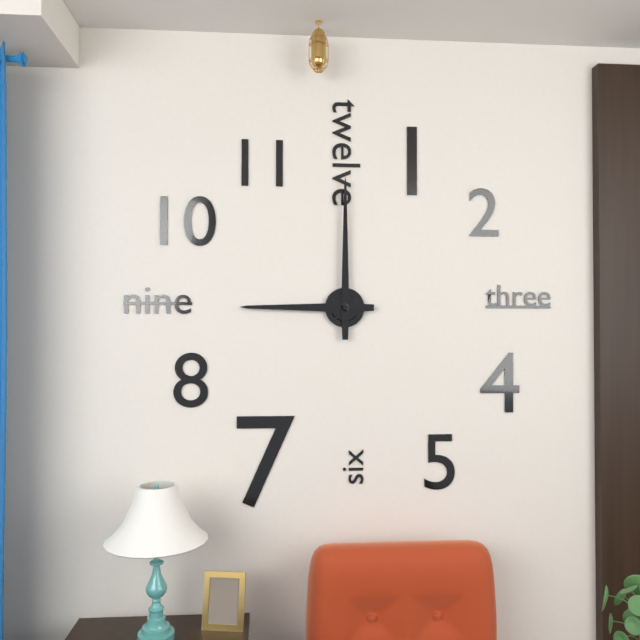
9 h 00 min
